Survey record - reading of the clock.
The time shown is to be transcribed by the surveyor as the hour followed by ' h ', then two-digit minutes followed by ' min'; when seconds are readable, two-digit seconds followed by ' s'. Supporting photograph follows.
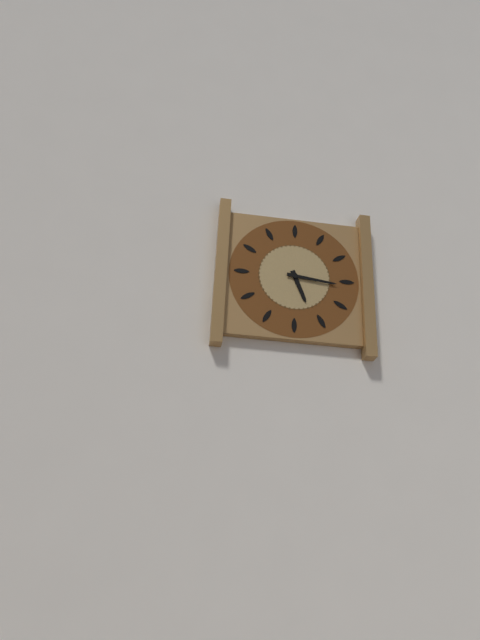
5 h 16 min
